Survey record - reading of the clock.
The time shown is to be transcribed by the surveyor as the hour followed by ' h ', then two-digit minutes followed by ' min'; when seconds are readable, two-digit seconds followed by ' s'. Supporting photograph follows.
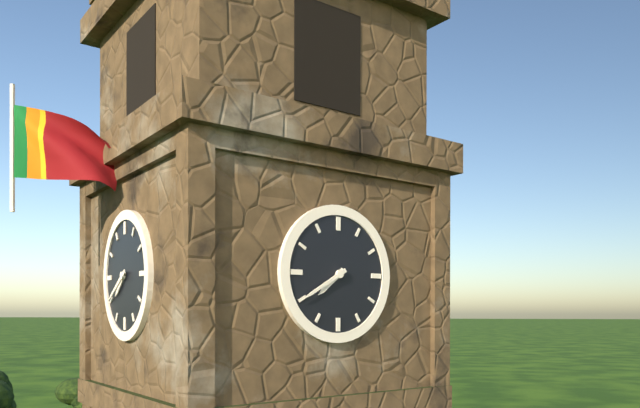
7 h 40 min
